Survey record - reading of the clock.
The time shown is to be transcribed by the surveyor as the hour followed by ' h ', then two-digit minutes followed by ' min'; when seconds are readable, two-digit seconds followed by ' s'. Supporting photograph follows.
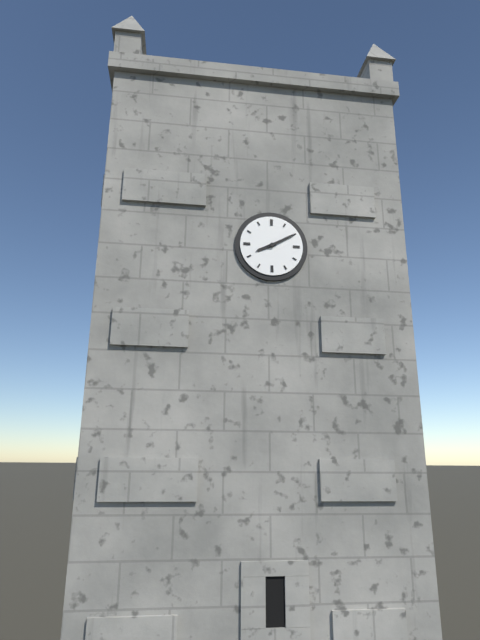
8 h 10 min
